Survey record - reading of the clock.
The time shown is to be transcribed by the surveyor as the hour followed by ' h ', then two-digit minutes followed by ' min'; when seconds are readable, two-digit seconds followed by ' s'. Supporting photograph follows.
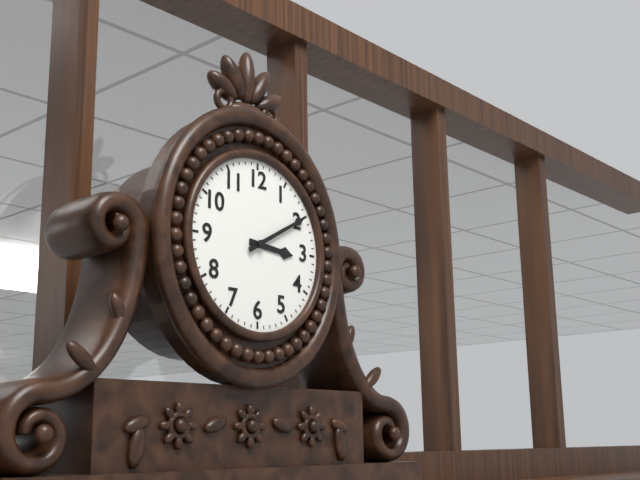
3 h 10 min
